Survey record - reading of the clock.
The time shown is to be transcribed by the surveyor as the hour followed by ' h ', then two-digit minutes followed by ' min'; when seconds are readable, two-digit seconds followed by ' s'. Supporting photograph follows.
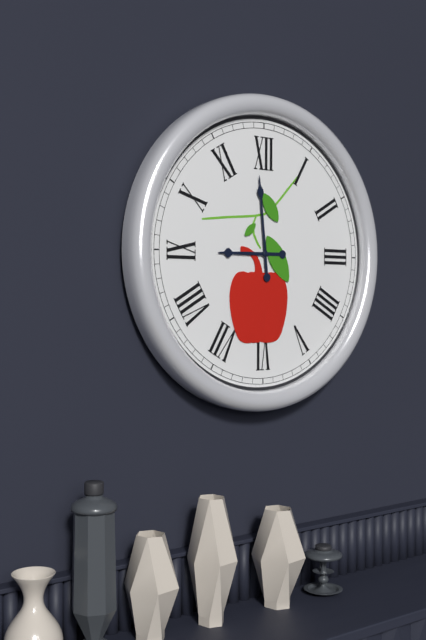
8 h 59 min
